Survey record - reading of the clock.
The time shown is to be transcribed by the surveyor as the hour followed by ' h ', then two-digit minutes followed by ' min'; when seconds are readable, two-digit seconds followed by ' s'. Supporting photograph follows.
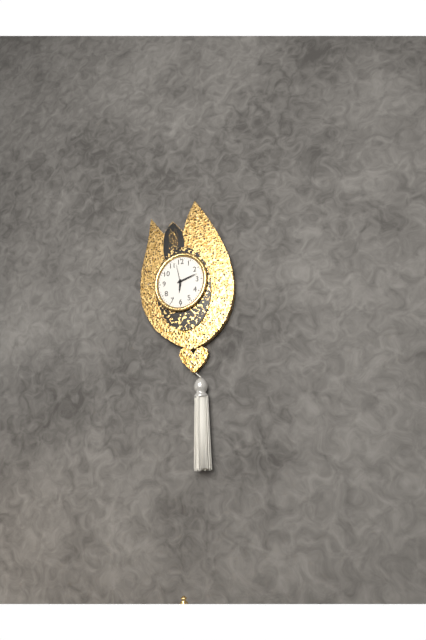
6 h 12 min
